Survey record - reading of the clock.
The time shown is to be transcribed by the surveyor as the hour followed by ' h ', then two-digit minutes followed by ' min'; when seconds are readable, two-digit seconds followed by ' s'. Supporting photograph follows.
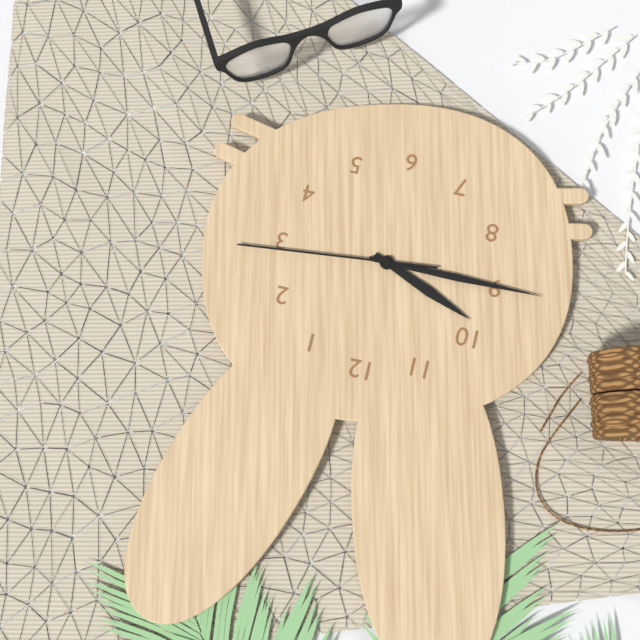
9 h 45 min 14 s
